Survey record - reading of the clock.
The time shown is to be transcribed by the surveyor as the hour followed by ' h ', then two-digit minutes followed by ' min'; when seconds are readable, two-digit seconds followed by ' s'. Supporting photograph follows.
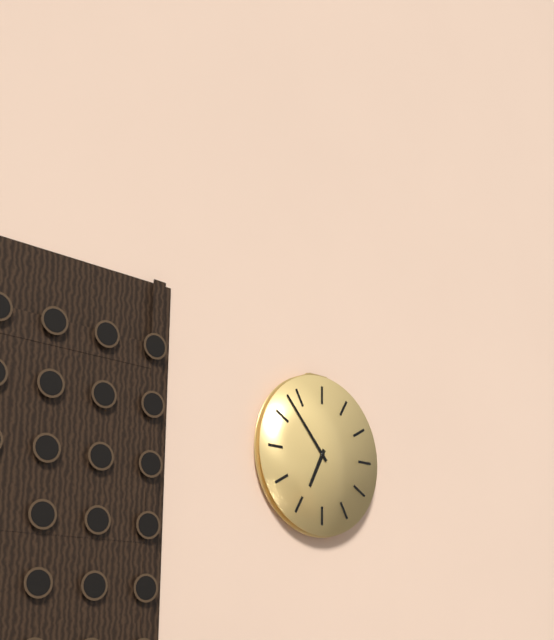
6 h 53 min
